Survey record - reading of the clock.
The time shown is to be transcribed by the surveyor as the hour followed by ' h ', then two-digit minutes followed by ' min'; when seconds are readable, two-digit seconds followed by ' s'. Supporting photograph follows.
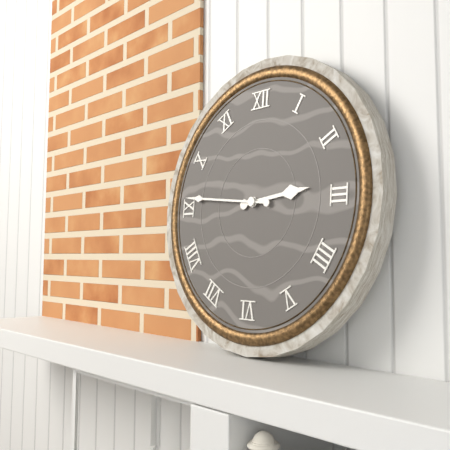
2 h 46 min
